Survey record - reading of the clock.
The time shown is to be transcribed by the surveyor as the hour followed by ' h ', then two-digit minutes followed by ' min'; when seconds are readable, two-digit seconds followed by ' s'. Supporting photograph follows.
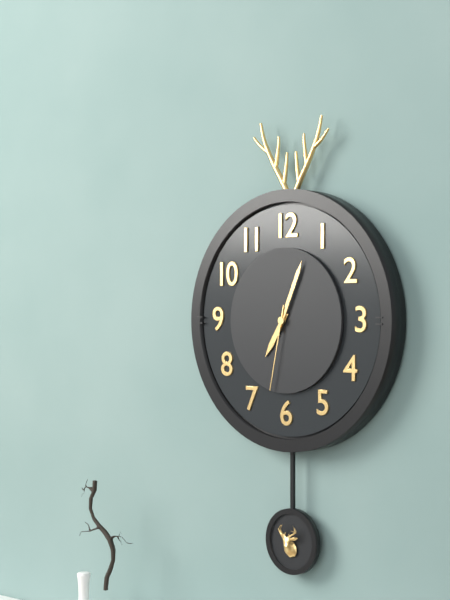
7 h 04 min 32 s
